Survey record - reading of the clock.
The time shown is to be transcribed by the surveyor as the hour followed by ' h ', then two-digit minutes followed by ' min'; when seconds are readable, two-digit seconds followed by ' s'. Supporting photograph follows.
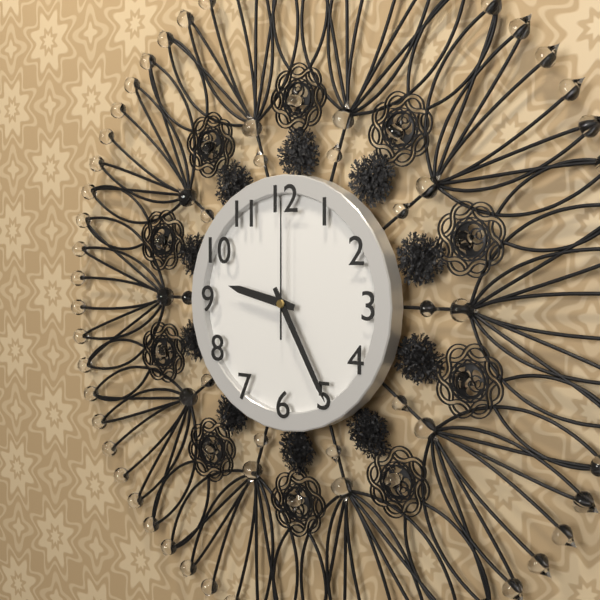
9 h 25 min 00 s
